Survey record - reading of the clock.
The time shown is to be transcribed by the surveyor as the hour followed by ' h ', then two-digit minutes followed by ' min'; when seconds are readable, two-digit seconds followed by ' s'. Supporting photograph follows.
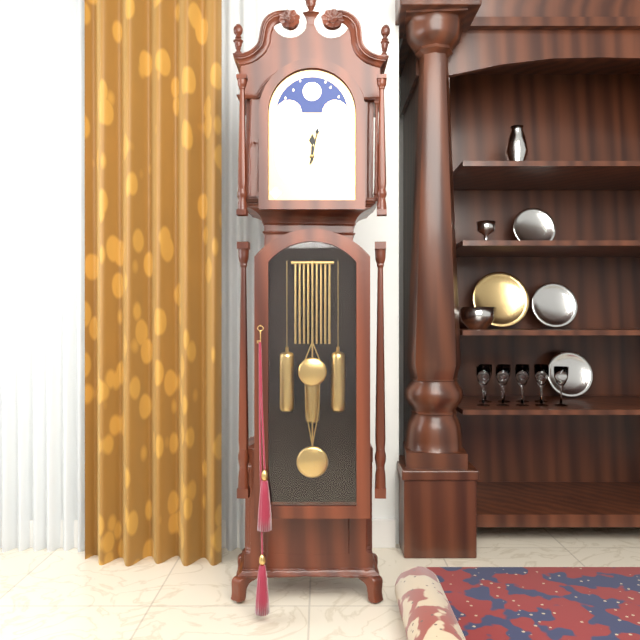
12 h 02 min
